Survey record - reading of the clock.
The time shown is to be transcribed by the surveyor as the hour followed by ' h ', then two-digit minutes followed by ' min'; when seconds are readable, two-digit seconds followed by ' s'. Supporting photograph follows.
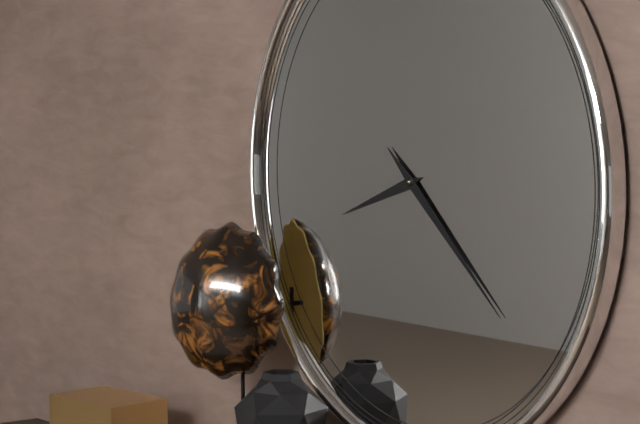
8 h 22 min
